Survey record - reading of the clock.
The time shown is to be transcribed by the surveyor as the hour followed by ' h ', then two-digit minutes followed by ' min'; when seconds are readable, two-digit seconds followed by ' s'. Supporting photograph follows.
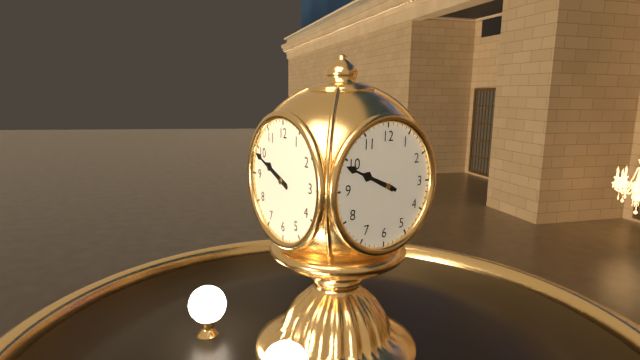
9 h 49 min
